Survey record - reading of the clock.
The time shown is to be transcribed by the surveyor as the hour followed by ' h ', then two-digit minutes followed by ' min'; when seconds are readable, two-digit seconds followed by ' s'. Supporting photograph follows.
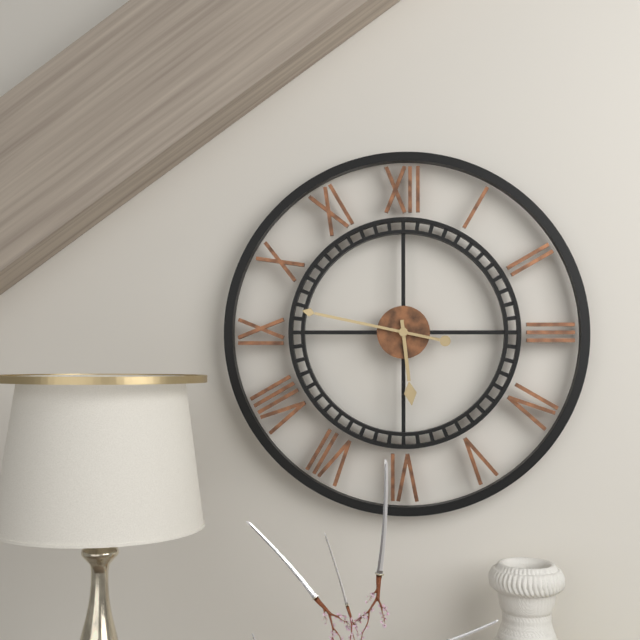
5 h 47 min
